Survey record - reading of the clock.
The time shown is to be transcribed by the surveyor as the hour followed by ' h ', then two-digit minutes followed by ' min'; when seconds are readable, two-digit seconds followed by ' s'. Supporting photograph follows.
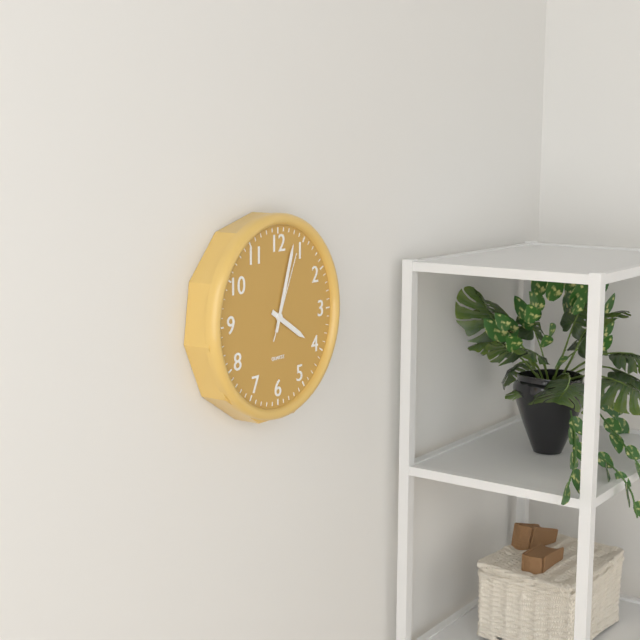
4 h 03 min 04 s
